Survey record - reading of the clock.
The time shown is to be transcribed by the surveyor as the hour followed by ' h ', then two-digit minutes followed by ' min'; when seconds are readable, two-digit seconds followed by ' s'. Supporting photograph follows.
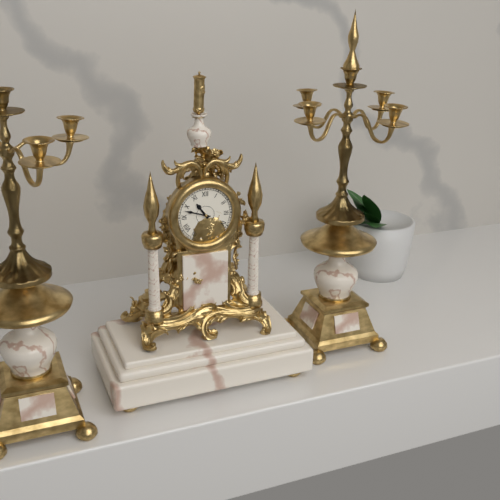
10 h 48 min
